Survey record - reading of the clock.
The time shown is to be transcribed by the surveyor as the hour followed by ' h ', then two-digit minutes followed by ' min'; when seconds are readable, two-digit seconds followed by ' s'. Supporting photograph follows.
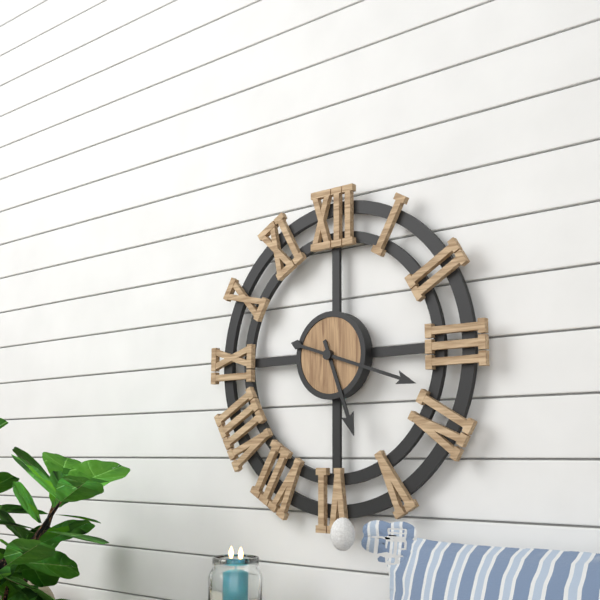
5 h 18 min
